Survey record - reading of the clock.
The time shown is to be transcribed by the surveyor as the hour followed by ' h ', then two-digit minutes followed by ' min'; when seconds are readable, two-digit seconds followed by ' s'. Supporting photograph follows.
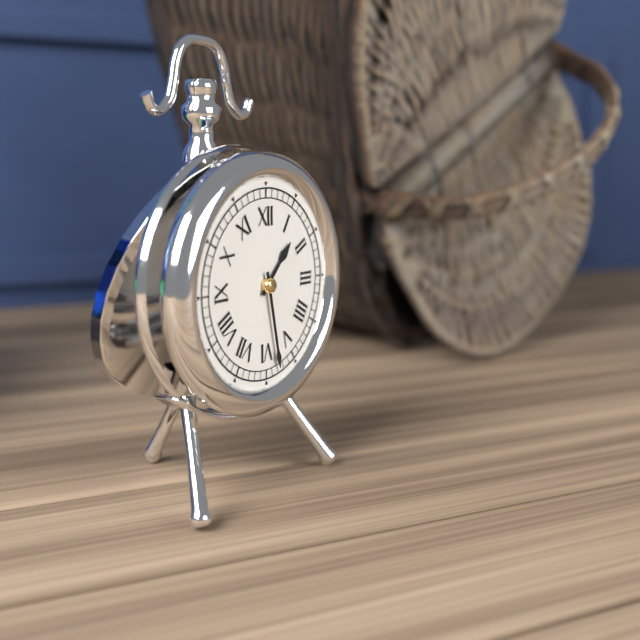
1 h 28 min
